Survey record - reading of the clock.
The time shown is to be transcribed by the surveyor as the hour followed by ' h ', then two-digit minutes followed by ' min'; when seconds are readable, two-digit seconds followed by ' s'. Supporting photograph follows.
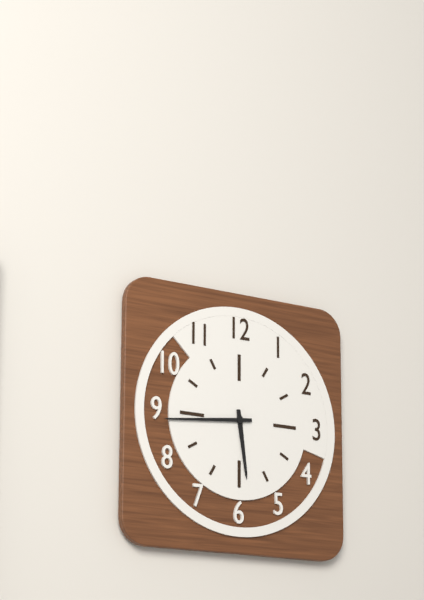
5 h 44 min
